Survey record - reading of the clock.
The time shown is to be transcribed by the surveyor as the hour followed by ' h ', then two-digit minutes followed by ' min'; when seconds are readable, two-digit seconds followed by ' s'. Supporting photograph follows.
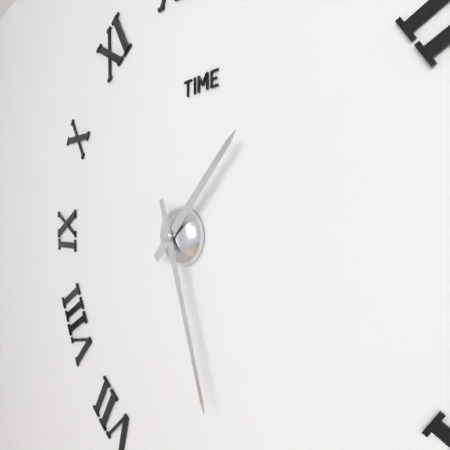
1 h 27 min
